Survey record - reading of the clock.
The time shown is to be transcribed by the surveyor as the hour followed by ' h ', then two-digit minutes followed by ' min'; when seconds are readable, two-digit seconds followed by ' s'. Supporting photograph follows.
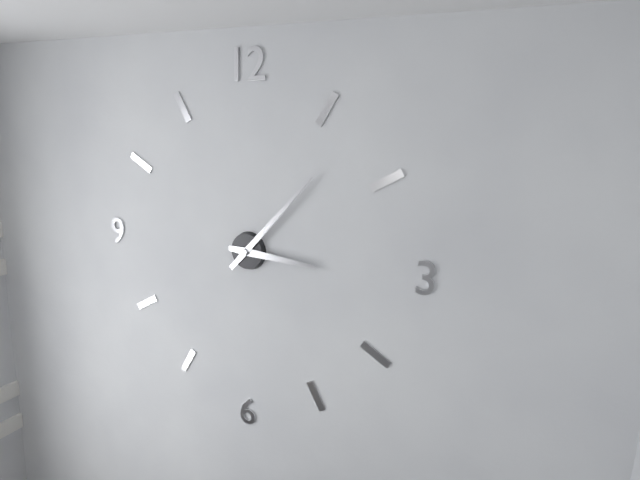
3 h 07 min
